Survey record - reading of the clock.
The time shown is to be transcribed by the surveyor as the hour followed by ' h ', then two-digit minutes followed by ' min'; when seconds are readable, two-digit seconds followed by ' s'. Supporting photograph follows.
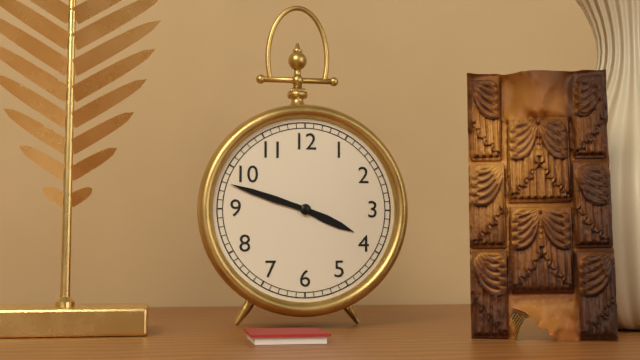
3 h 48 min
